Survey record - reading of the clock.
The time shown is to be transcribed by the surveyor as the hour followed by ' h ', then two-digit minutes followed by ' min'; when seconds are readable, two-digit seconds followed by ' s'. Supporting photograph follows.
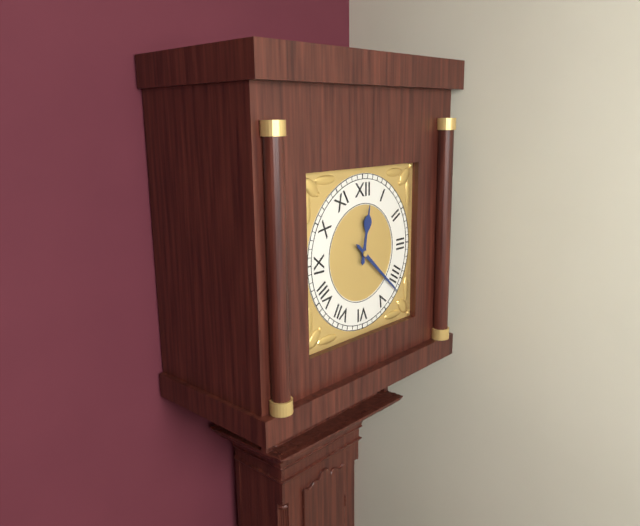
12 h 22 min
